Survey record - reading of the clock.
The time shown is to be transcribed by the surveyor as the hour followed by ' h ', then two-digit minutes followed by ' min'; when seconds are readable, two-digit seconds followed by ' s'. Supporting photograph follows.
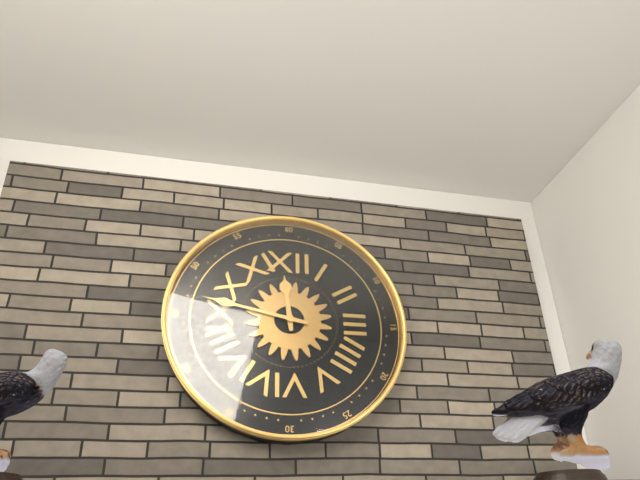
11 h 47 min
